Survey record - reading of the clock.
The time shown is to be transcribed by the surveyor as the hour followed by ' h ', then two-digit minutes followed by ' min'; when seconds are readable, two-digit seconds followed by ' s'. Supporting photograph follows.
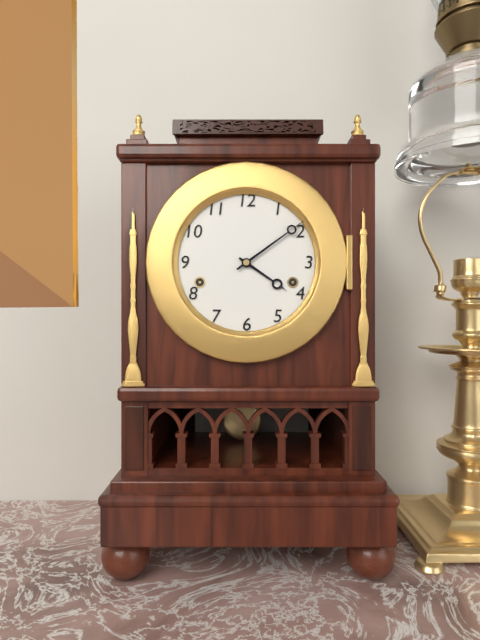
4 h 09 min
